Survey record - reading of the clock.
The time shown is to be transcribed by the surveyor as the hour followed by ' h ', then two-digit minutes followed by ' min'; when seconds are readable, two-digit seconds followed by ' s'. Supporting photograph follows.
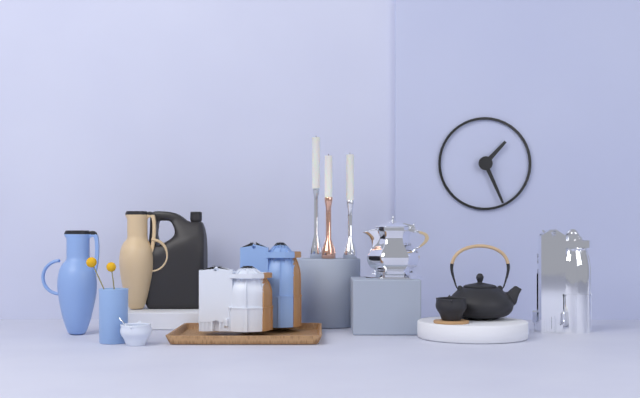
1 h 26 min
